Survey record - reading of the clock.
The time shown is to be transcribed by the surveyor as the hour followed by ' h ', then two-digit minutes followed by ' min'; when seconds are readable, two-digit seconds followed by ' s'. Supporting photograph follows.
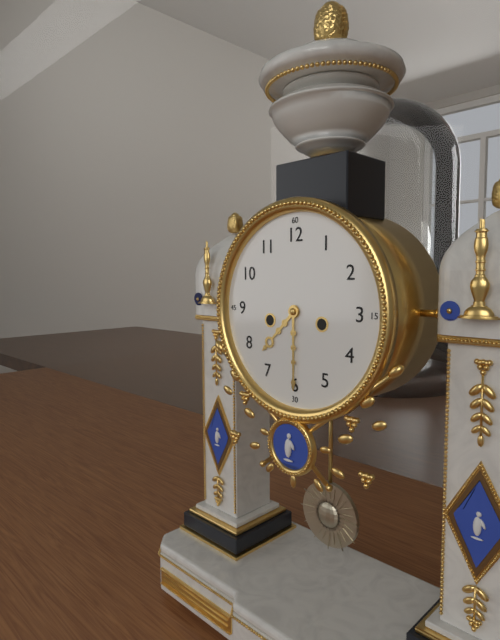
7 h 30 min
